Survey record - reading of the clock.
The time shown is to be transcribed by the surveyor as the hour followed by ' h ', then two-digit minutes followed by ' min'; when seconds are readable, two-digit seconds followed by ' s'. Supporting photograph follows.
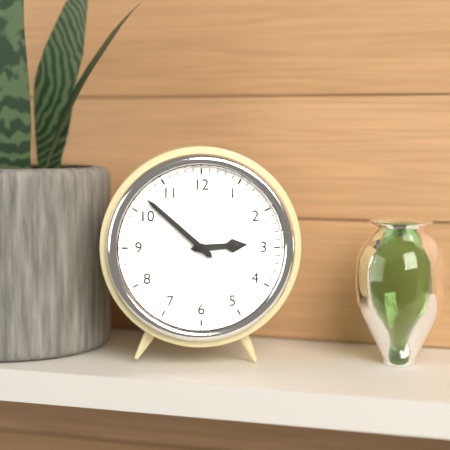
2 h 52 min
